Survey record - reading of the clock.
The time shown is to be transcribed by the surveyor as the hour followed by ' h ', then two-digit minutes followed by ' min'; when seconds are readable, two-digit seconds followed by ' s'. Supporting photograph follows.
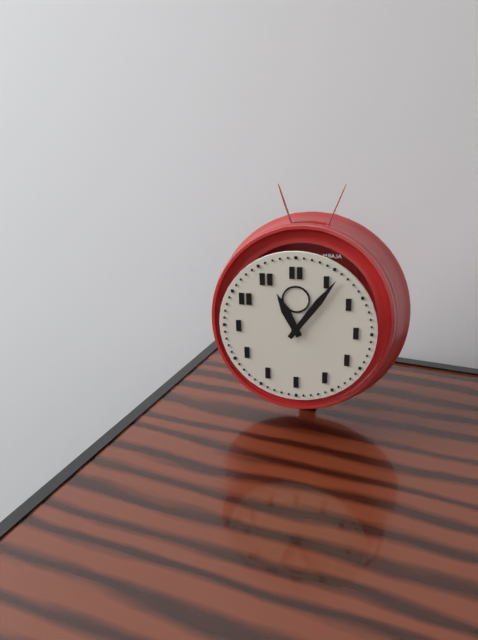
11 h 06 min
